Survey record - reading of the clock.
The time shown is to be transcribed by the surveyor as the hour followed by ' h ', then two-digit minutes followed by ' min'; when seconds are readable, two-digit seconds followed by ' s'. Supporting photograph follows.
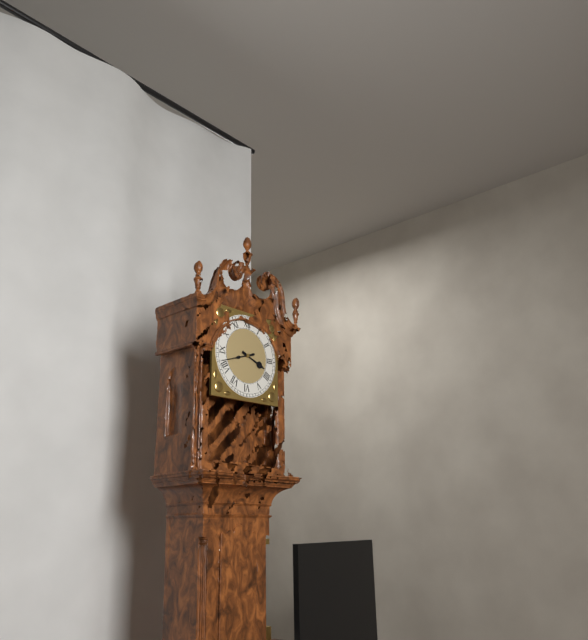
3 h 42 min
